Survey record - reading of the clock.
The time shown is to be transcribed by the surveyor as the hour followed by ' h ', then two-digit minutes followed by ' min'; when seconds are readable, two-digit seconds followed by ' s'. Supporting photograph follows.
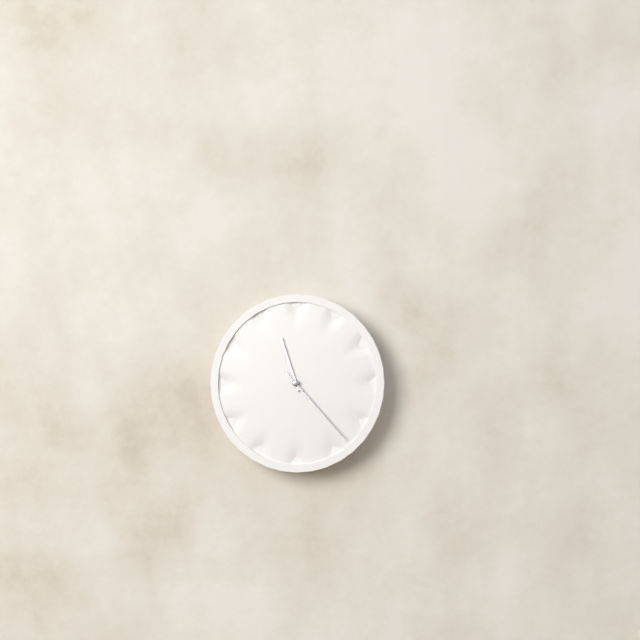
11 h 23 min 23 s
